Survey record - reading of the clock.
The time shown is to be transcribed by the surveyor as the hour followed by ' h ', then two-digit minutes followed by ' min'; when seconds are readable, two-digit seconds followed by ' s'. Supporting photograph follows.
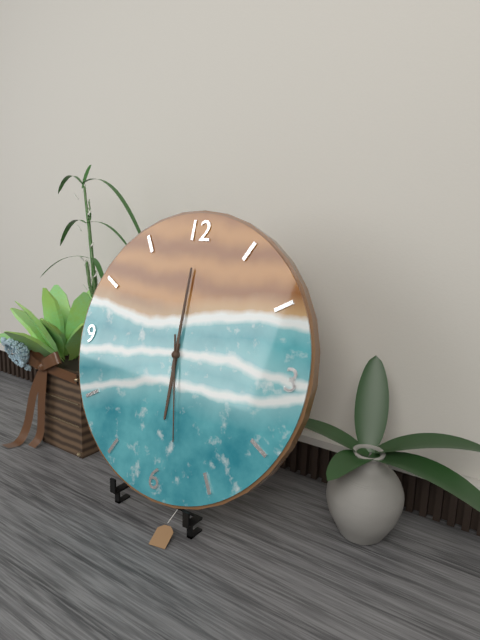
6 h 00 min 28 s
